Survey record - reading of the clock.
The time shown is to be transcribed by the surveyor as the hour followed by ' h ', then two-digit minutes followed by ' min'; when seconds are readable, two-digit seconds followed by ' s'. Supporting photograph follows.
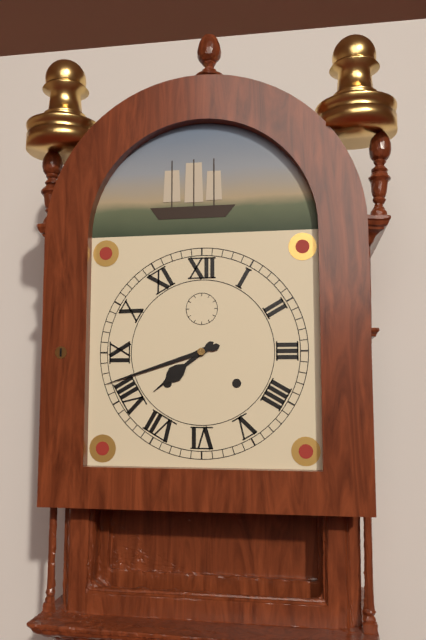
7 h 42 min
